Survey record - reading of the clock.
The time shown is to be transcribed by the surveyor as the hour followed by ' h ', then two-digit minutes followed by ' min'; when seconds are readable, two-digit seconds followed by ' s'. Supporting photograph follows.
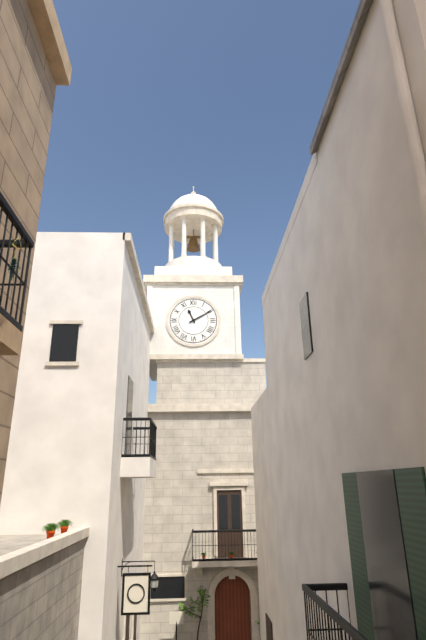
11 h 10 min
